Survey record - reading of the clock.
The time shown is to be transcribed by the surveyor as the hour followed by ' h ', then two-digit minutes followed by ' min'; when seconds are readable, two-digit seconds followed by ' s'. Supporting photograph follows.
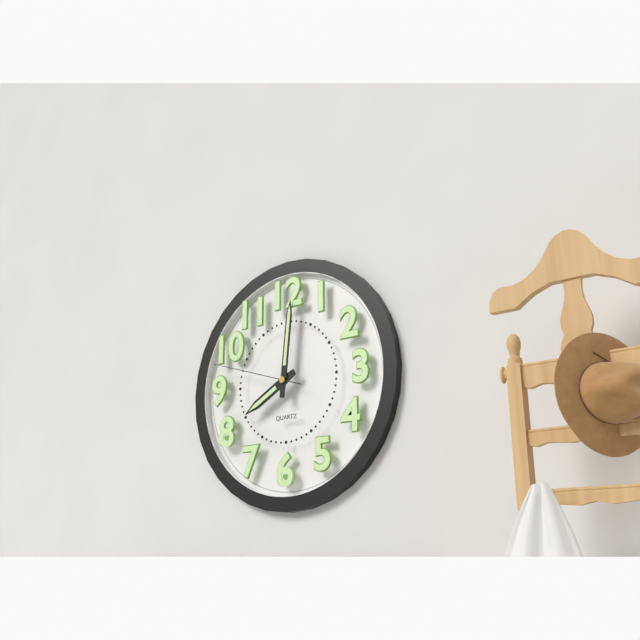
8 h 01 min 48 s
